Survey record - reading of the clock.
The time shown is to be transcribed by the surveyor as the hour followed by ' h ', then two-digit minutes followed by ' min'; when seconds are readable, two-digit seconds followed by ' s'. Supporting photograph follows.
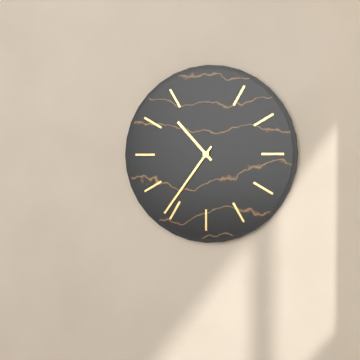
10 h 36 min
